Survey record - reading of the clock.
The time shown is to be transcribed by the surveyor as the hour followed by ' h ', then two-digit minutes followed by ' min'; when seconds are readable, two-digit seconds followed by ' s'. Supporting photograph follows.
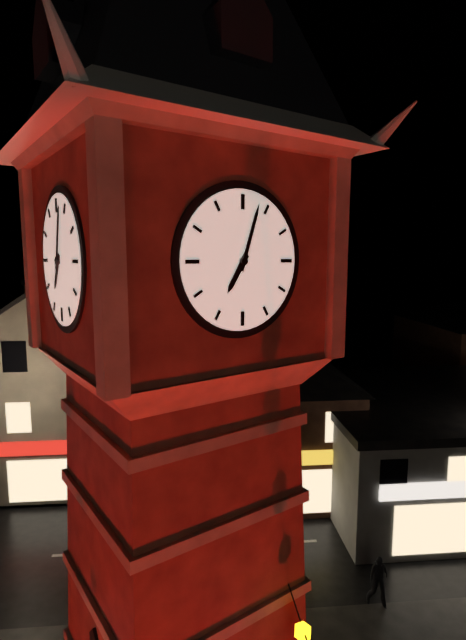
7 h 03 min
